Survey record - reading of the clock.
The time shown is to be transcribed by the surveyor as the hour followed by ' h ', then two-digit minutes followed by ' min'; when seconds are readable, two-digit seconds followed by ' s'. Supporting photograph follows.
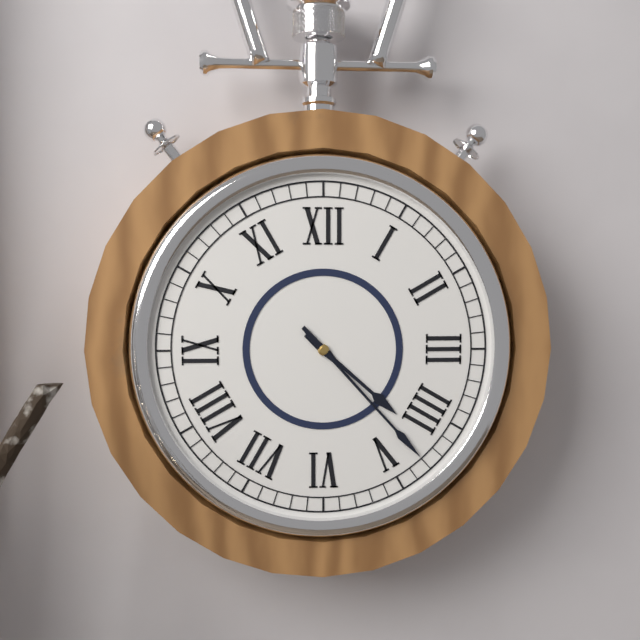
4 h 23 min
